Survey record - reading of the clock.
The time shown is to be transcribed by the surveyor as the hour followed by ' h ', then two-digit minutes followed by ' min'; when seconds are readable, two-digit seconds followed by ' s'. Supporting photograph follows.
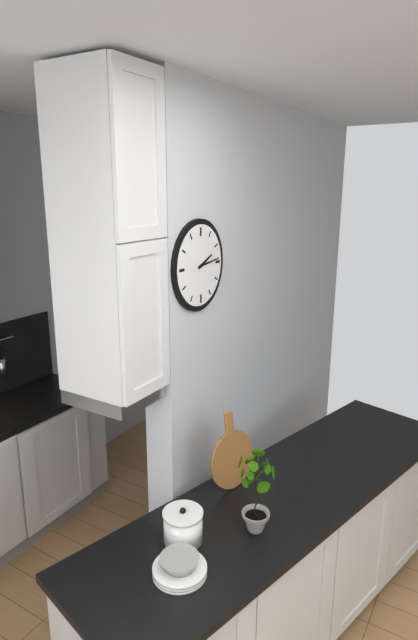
2 h 14 min
